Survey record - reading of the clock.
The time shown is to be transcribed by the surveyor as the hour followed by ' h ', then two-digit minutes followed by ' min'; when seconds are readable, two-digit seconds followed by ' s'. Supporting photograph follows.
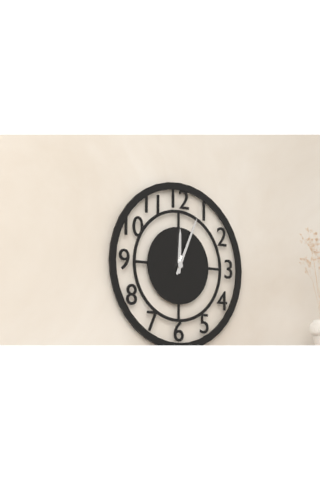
12 h 04 min
